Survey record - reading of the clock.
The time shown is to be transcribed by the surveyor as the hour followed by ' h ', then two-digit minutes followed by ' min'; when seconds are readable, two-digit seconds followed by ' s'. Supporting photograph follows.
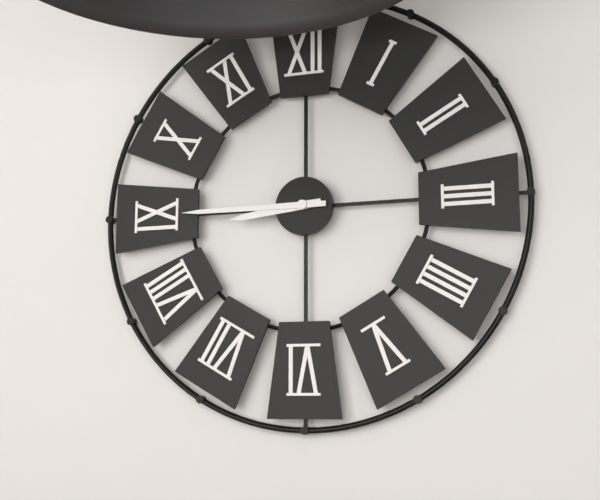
8 h 45 min
